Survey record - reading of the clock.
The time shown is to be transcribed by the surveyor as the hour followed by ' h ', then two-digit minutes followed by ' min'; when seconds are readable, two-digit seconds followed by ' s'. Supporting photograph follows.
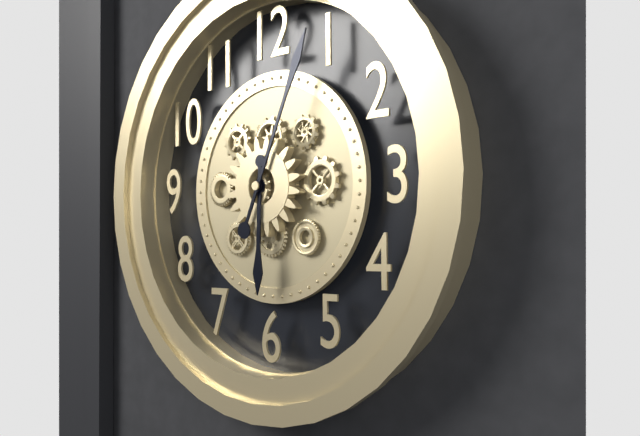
6 h 04 min
